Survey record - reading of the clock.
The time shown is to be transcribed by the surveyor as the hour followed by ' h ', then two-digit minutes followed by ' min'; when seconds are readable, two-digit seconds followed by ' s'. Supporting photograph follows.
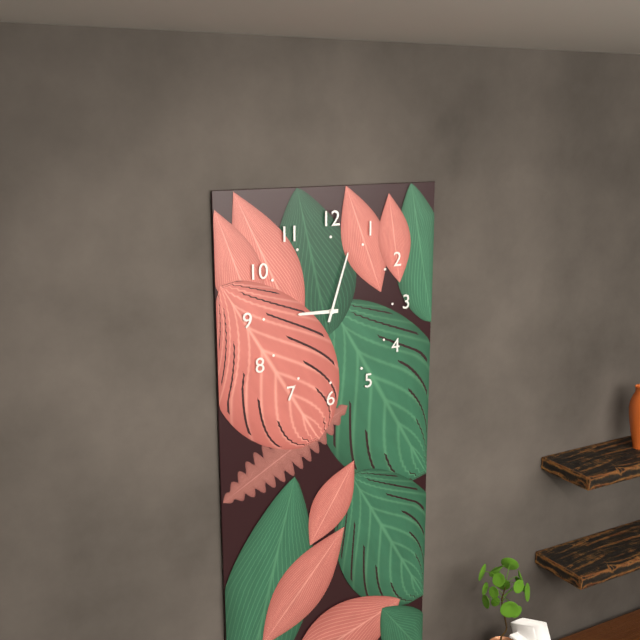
9 h 03 min
